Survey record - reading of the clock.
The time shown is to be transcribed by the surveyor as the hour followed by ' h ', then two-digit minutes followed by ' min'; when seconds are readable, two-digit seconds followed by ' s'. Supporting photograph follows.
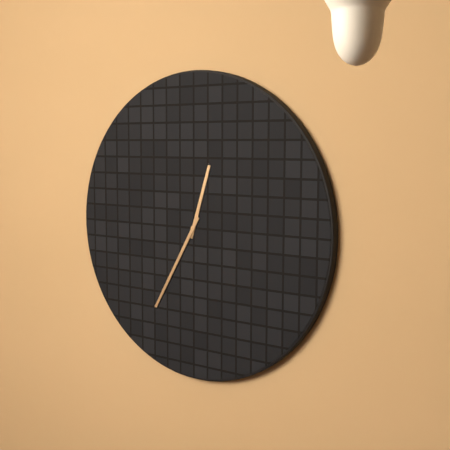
12 h 35 min
